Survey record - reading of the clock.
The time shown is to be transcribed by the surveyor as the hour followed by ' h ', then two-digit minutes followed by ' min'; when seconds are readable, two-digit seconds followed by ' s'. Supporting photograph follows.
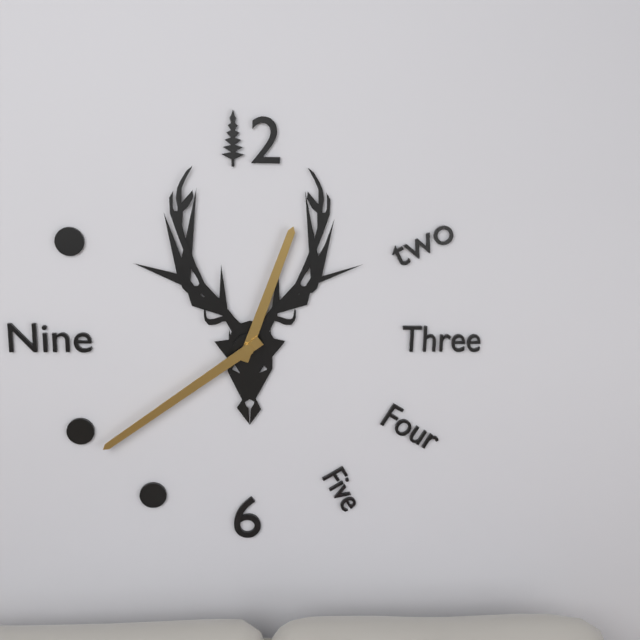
12 h 39 min
